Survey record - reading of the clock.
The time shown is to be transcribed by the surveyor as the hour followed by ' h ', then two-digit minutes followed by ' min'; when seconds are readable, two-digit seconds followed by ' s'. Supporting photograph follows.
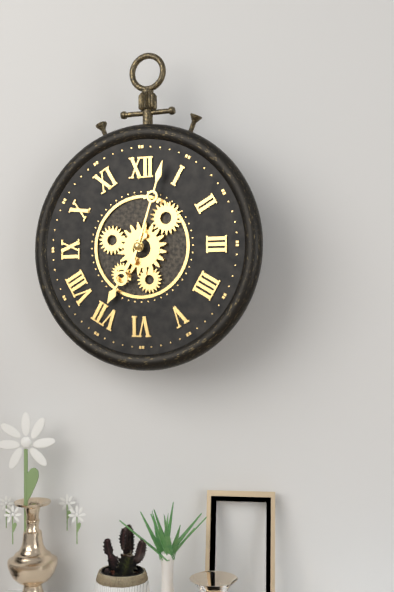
7 h 03 min
